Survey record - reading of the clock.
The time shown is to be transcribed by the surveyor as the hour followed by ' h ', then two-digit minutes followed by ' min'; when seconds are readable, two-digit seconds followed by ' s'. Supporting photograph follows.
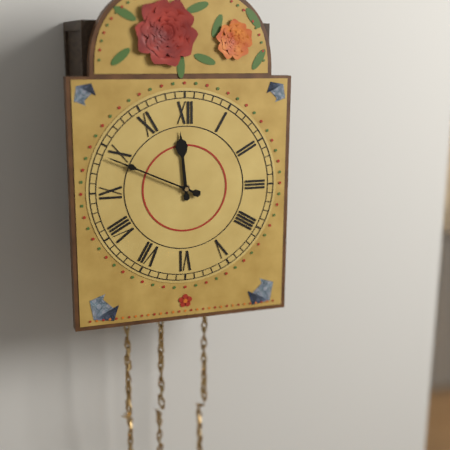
11 h 49 min
